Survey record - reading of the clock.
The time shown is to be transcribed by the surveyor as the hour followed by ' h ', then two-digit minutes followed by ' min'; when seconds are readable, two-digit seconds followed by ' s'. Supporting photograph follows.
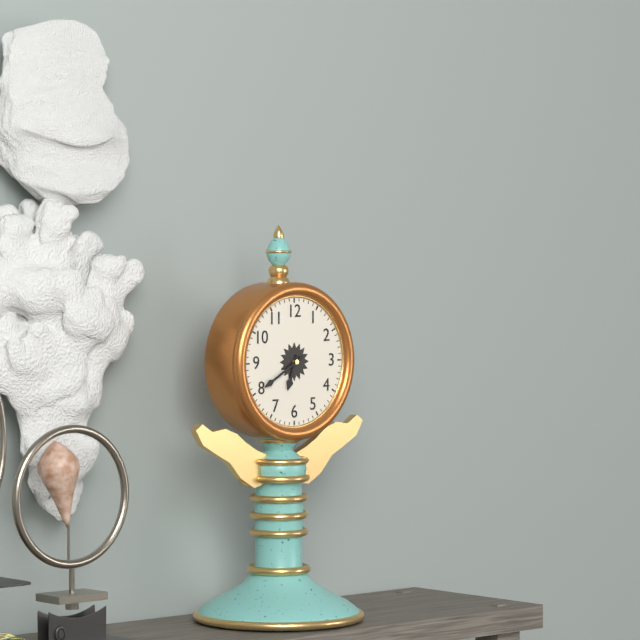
6 h 40 min
